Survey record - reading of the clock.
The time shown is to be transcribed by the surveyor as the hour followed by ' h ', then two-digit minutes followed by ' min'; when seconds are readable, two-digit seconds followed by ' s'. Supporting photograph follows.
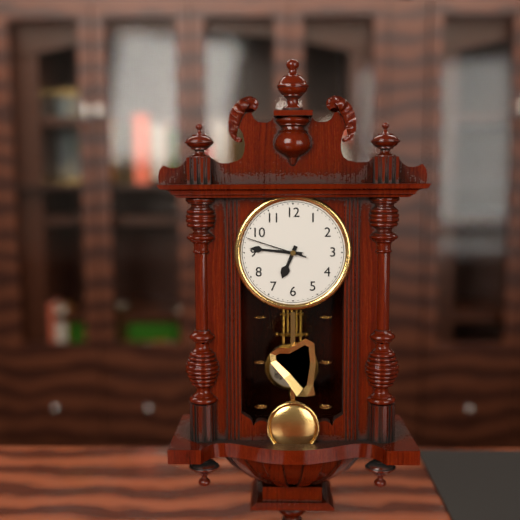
6 h 46 min 48 s
